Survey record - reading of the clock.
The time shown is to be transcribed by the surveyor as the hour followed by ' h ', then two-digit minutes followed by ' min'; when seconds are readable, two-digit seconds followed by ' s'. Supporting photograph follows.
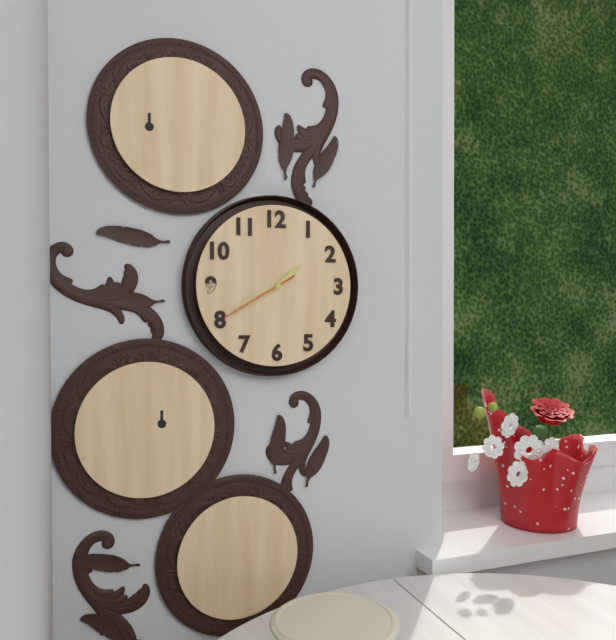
1 h 40 min 40 s
